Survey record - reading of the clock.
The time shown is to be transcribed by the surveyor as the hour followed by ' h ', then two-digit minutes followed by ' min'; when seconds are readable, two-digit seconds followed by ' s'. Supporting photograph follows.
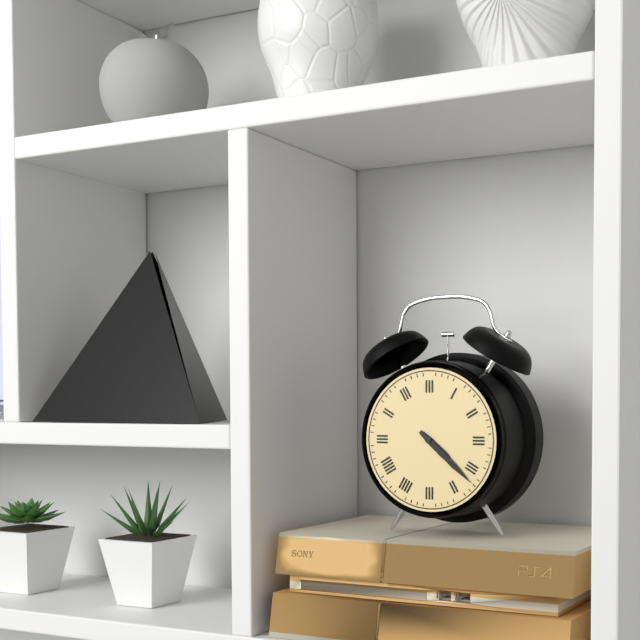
4 h 22 min
